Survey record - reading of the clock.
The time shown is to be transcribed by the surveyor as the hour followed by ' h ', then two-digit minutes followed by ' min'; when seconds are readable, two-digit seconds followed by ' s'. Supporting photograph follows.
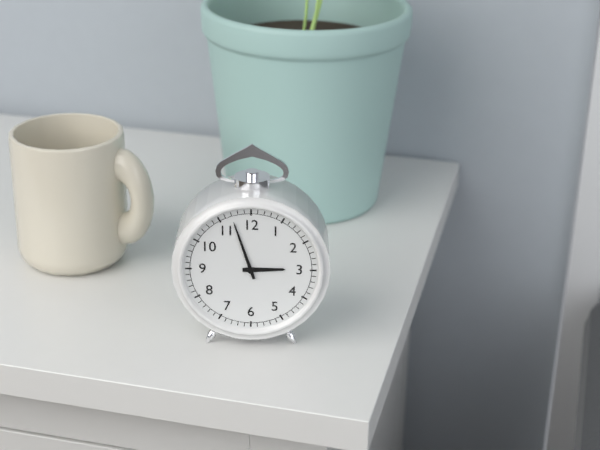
2 h 57 min
